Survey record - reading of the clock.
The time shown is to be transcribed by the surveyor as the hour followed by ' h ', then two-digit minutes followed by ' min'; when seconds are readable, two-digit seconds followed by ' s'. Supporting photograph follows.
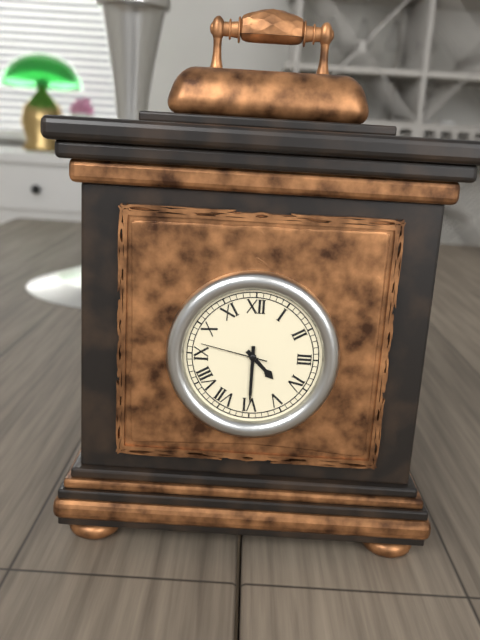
4 h 30 min 47 s
